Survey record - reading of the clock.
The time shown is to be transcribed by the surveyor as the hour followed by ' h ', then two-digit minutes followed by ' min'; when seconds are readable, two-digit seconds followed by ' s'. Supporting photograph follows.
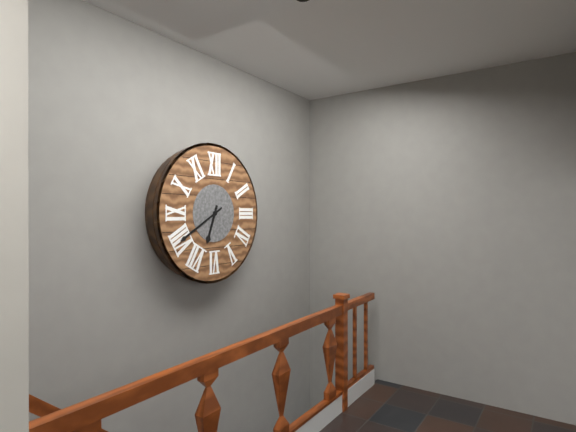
6 h 40 min
